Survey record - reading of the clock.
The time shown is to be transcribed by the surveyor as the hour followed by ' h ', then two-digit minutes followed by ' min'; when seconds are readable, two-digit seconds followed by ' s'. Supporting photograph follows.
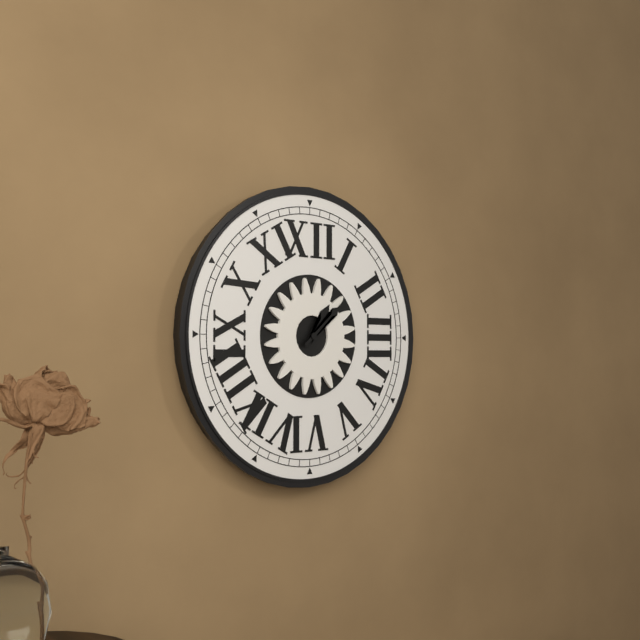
1 h 08 min
